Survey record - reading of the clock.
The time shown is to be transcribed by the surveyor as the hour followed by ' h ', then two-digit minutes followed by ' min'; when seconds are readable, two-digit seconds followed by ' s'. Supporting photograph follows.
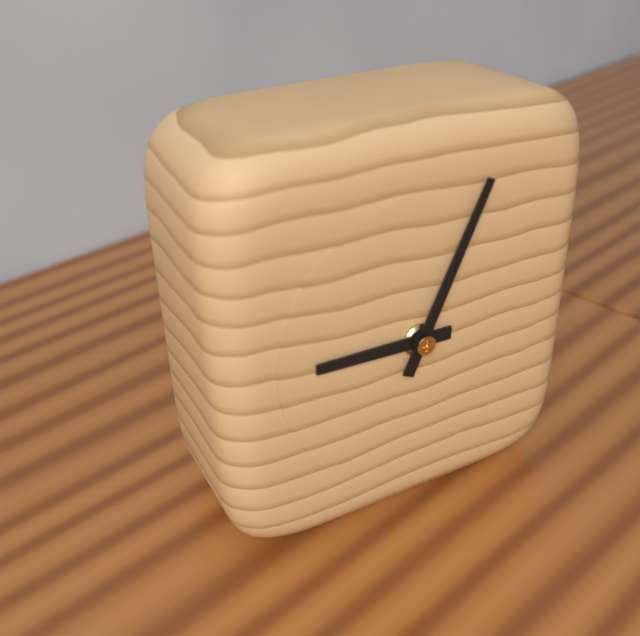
9 h 04 min
